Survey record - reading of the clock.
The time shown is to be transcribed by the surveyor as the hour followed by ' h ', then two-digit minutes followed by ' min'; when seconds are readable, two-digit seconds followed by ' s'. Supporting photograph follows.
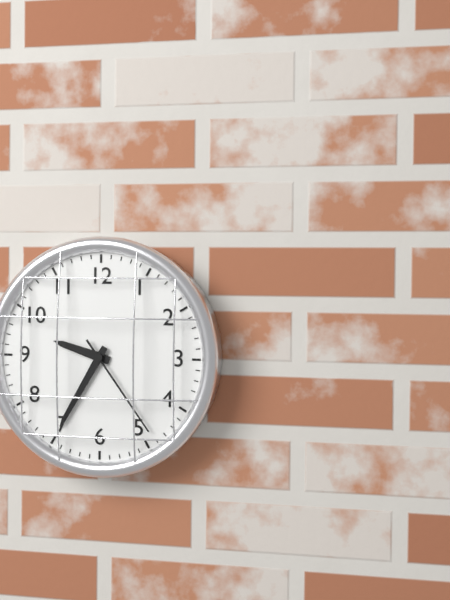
9 h 35 min 24 s
